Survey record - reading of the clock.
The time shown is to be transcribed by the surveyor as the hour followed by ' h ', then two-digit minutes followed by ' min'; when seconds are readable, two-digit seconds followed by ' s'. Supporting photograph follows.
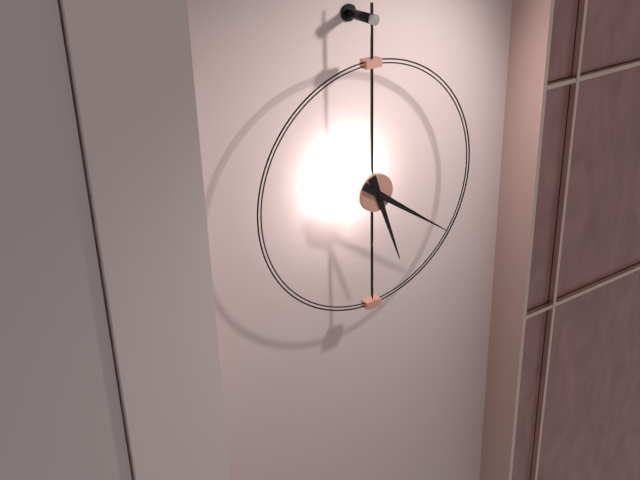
5 h 21 min
